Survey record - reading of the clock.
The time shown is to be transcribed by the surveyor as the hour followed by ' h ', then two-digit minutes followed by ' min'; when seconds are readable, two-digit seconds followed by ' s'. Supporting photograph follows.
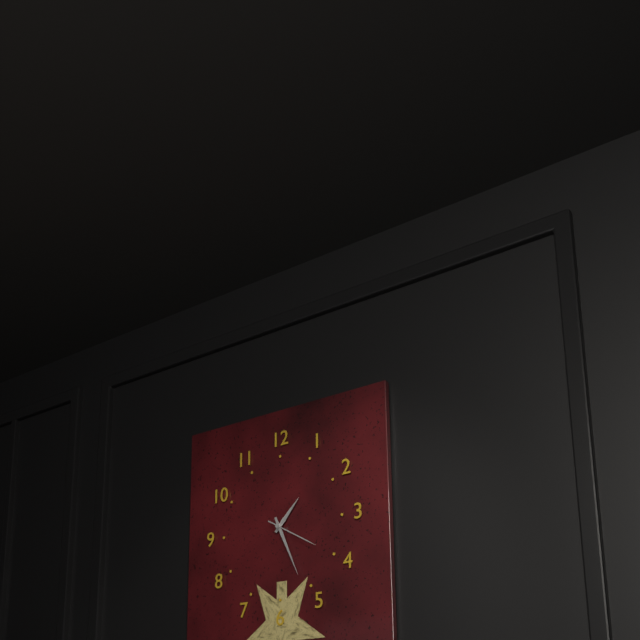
1 h 26 min 20 s
